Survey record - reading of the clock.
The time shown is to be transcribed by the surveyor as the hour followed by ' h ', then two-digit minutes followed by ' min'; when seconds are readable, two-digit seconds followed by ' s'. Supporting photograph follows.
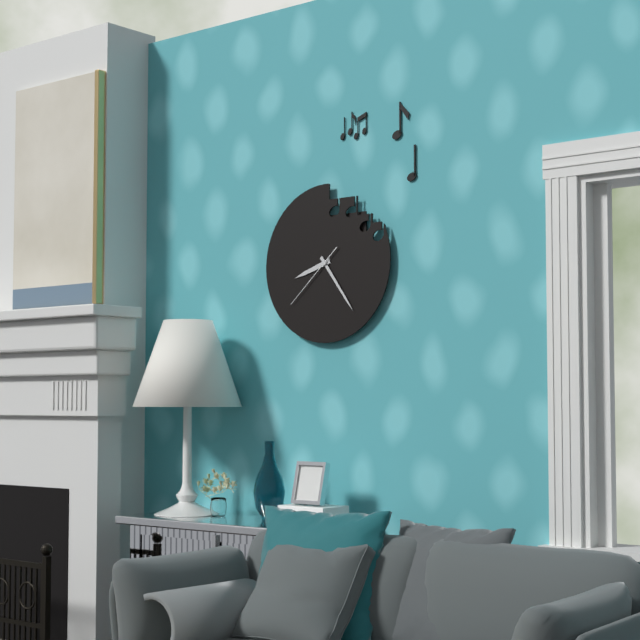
8 h 24 min 38 s
